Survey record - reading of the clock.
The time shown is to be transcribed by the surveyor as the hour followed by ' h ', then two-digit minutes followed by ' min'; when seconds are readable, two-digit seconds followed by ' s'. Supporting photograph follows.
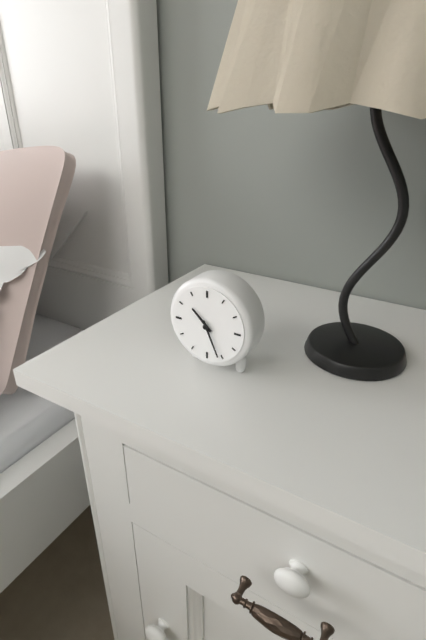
10 h 26 min
